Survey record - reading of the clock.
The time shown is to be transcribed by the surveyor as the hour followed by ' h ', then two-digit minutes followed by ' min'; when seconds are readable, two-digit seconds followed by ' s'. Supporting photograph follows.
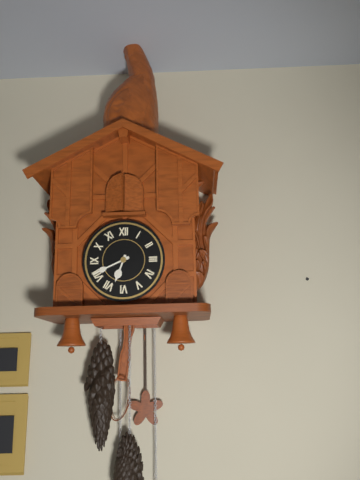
6 h 41 min
